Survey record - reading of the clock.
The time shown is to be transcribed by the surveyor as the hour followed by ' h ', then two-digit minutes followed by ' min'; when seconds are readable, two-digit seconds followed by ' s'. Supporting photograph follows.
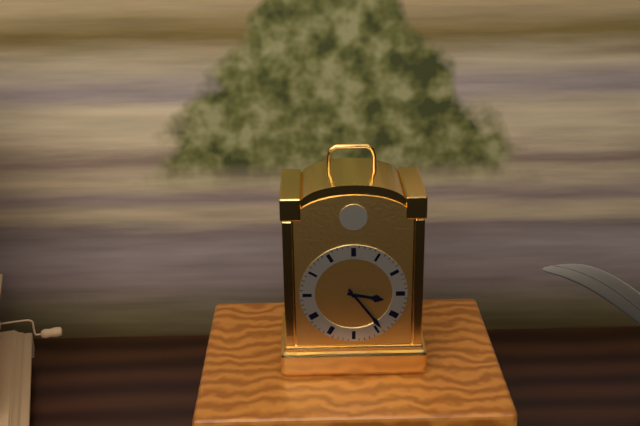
3 h 24 min
